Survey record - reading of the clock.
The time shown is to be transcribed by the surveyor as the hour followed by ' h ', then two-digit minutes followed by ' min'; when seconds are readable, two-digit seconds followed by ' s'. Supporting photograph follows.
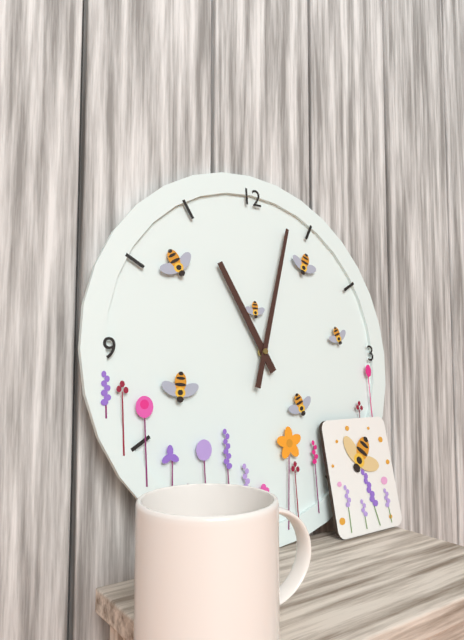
11 h 03 min
